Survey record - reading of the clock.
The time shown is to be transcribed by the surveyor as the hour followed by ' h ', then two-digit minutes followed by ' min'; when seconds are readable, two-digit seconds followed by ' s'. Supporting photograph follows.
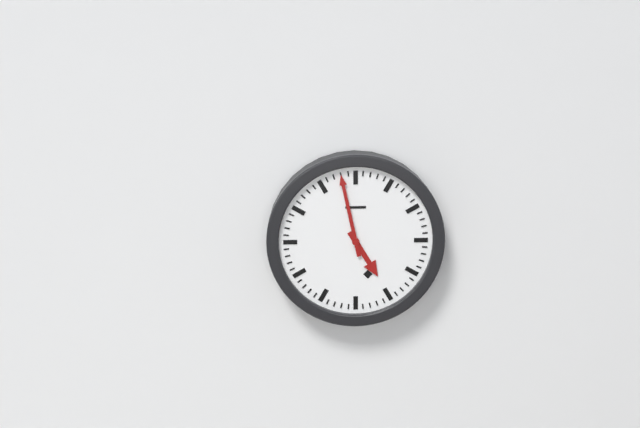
4 h 58 min
